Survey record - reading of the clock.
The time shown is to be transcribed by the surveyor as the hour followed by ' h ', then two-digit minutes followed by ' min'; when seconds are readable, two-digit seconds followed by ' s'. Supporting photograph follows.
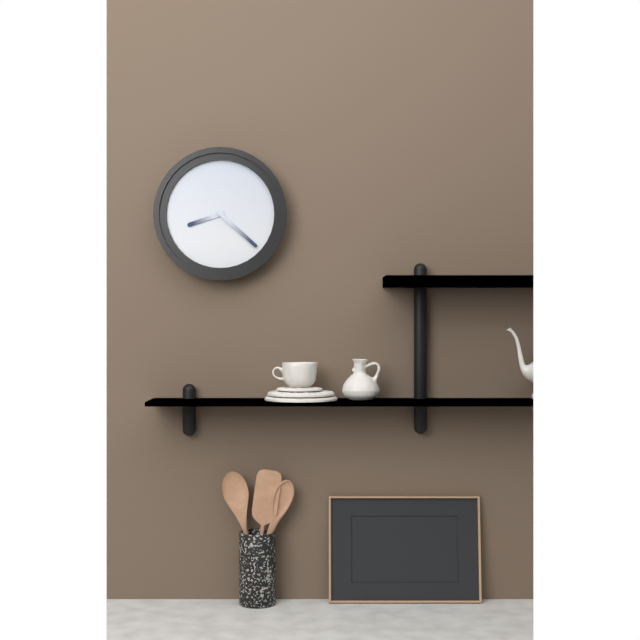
8 h 22 min
